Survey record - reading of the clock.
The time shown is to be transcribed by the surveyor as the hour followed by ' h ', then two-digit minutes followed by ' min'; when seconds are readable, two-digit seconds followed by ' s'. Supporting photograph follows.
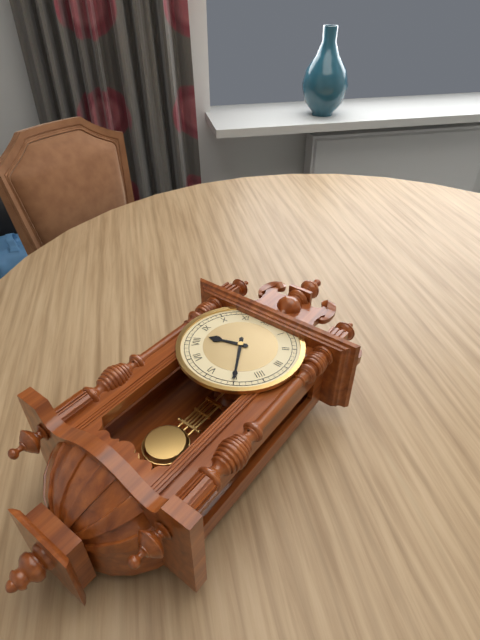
8 h 25 min
